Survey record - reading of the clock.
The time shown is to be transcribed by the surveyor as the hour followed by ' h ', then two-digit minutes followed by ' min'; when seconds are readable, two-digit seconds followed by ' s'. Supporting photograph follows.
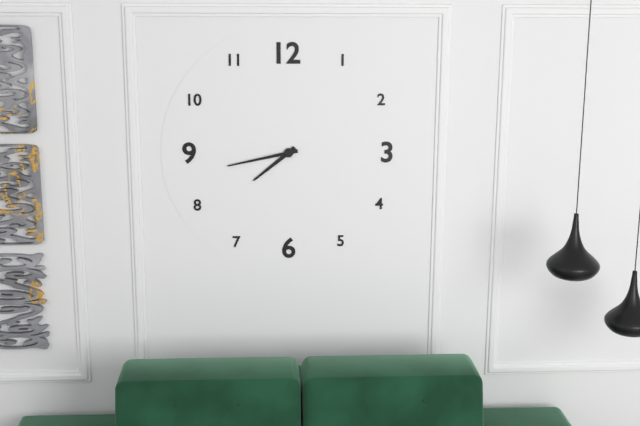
7 h 43 min
